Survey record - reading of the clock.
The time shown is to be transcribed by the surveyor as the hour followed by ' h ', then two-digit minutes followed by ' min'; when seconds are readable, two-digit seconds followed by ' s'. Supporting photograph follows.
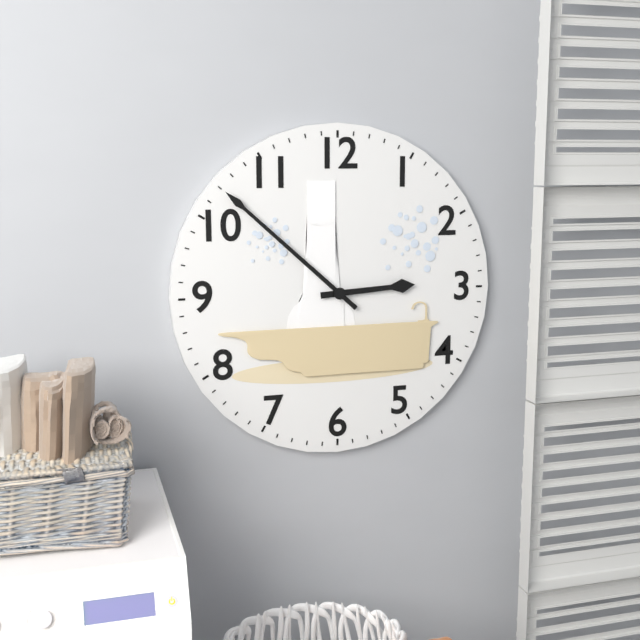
2 h 52 min
